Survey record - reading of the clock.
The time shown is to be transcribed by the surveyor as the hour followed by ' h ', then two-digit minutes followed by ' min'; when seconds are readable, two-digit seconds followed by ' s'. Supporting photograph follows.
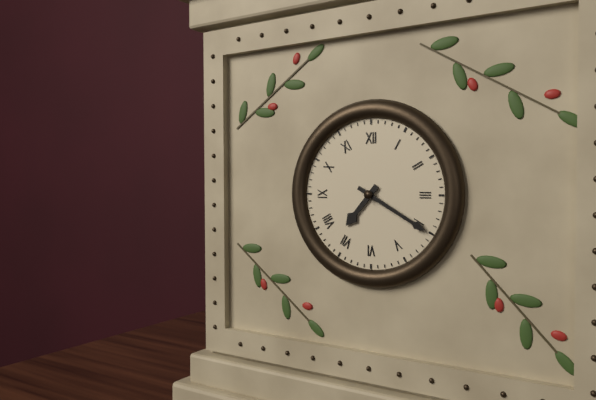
7 h 20 min
